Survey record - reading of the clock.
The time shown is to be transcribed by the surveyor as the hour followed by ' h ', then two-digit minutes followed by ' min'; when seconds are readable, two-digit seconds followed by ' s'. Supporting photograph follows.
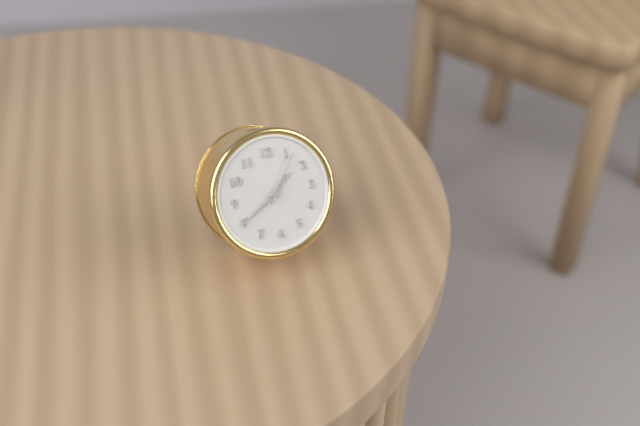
1 h 40 min 06 s
